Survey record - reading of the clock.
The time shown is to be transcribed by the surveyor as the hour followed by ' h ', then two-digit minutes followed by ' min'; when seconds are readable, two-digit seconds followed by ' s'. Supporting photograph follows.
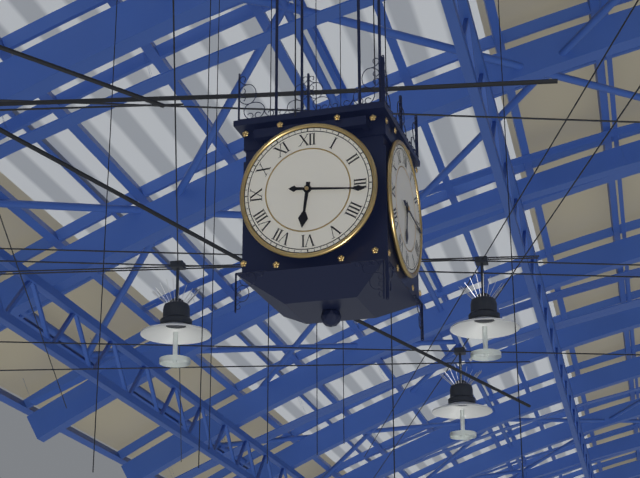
6 h 16 min
